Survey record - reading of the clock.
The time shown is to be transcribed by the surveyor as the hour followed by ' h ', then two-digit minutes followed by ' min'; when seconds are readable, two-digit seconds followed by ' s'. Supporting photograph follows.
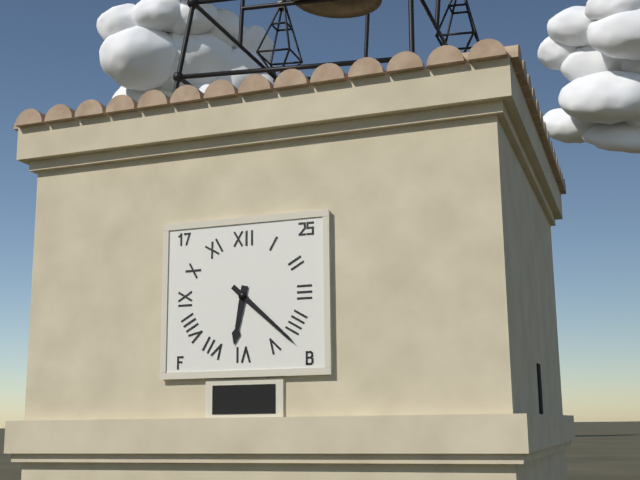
6 h 22 min
